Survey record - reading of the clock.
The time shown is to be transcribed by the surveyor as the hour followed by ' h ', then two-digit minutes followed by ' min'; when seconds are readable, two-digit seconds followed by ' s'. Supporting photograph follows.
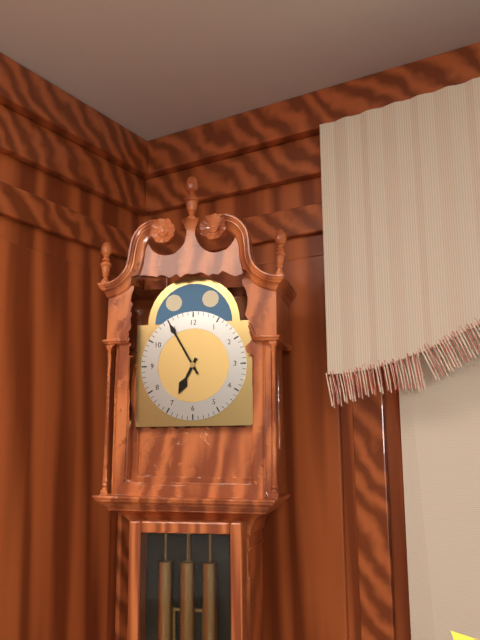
6 h 55 min
